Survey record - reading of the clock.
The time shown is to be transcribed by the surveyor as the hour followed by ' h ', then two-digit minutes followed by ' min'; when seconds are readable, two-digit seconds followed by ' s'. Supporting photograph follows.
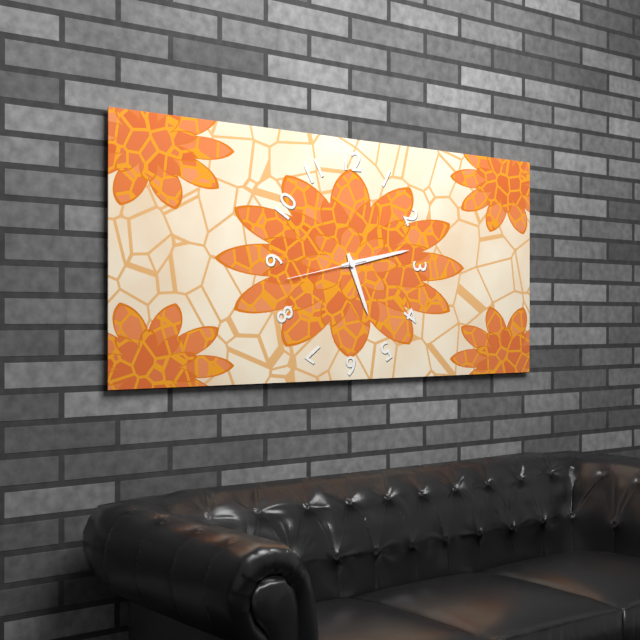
5 h 13 min 43 s
